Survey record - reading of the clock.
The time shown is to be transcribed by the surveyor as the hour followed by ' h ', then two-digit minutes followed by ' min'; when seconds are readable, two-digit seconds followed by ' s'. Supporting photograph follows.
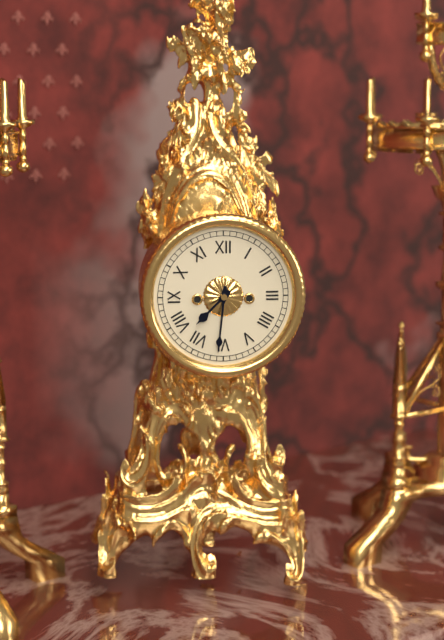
7 h 31 min
